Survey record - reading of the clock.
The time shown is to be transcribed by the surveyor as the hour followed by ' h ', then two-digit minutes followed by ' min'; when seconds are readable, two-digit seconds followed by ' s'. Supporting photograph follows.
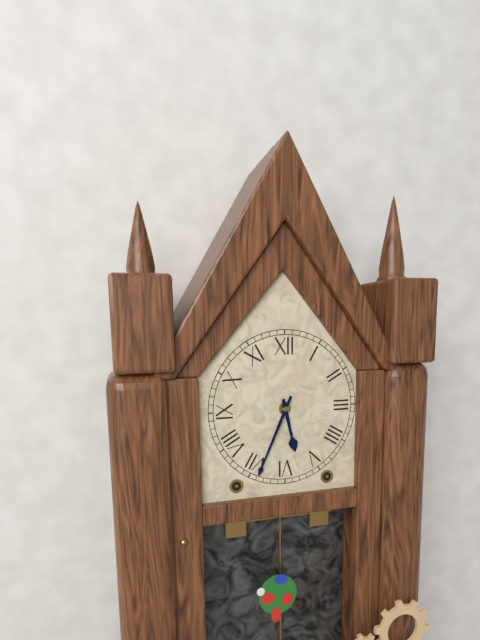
5 h 34 min
